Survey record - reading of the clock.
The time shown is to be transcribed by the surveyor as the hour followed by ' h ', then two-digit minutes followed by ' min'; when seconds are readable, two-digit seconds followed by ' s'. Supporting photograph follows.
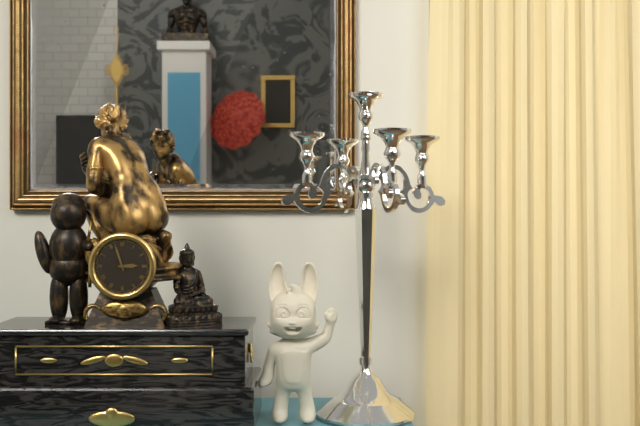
2 h 57 min
